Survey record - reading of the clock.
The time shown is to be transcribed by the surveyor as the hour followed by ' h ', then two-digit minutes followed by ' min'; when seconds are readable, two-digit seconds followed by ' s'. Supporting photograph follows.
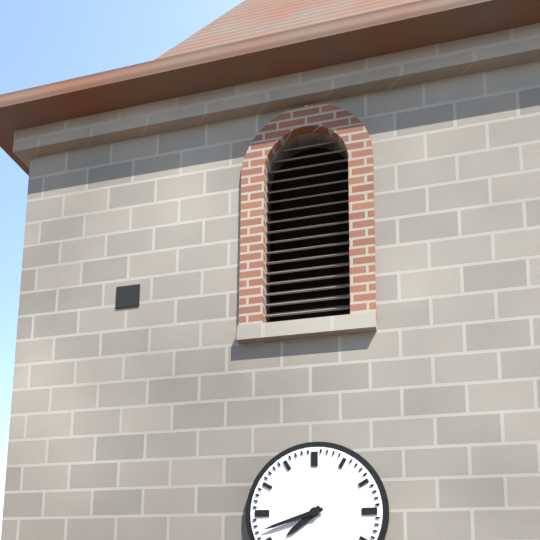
7 h 42 min
